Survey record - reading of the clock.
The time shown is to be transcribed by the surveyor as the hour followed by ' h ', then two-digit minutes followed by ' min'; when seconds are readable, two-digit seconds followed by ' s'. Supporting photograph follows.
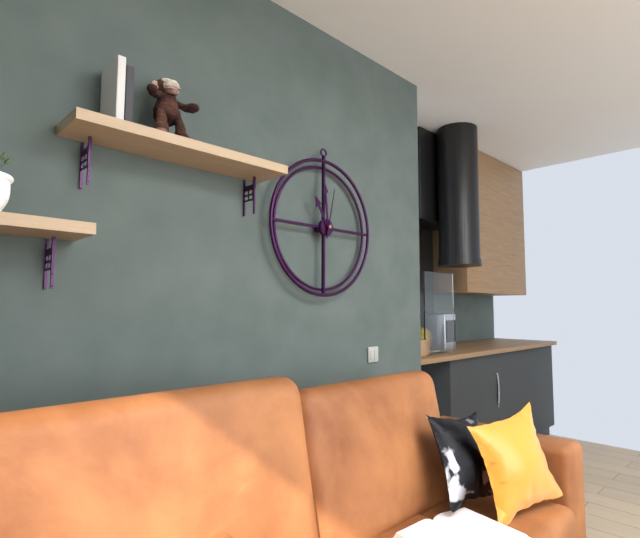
10 h 59 min
